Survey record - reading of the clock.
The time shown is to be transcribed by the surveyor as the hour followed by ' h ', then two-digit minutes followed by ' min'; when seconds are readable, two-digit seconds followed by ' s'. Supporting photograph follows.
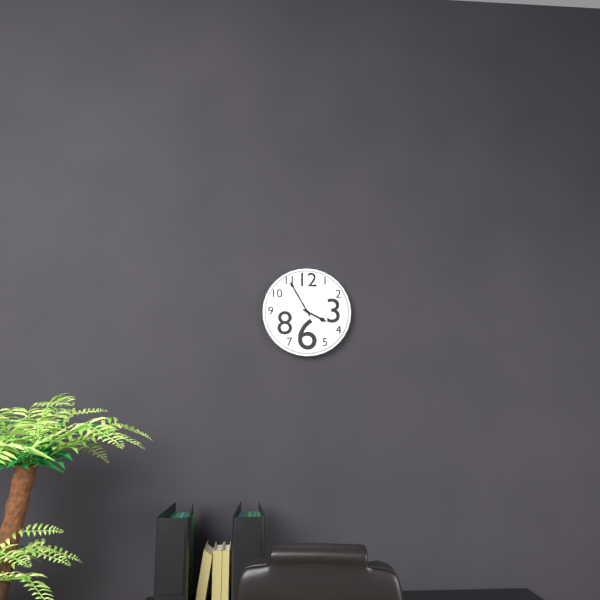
3 h 55 min
